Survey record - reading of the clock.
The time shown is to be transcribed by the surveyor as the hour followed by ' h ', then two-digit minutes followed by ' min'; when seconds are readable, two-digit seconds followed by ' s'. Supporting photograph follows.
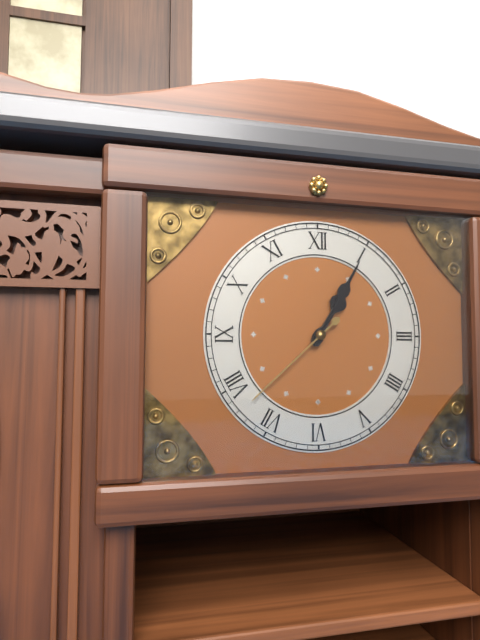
1 h 05 min 38 s
